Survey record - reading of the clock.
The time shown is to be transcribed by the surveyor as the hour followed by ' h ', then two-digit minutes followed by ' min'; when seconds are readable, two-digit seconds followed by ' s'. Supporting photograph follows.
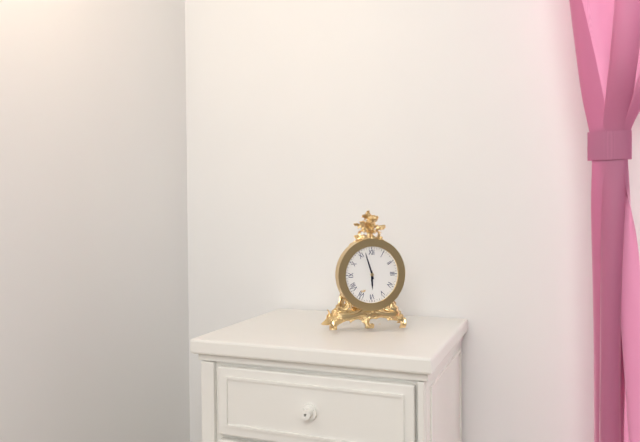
5 h 57 min
